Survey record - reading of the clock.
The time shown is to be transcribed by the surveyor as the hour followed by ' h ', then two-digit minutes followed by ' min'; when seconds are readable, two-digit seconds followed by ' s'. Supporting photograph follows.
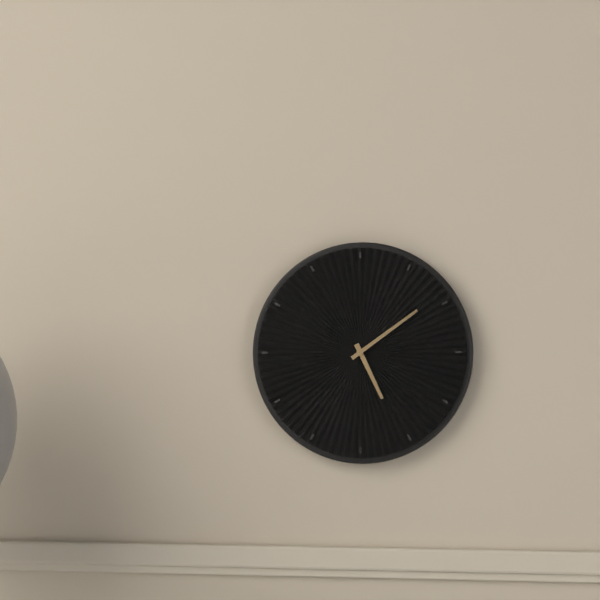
5 h 09 min
